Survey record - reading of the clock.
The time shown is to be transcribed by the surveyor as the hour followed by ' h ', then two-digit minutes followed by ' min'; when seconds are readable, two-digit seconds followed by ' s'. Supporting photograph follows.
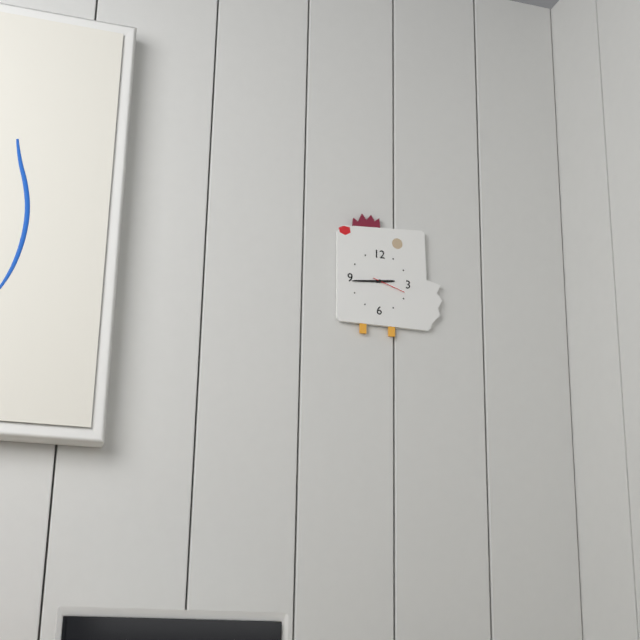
2 h 44 min
